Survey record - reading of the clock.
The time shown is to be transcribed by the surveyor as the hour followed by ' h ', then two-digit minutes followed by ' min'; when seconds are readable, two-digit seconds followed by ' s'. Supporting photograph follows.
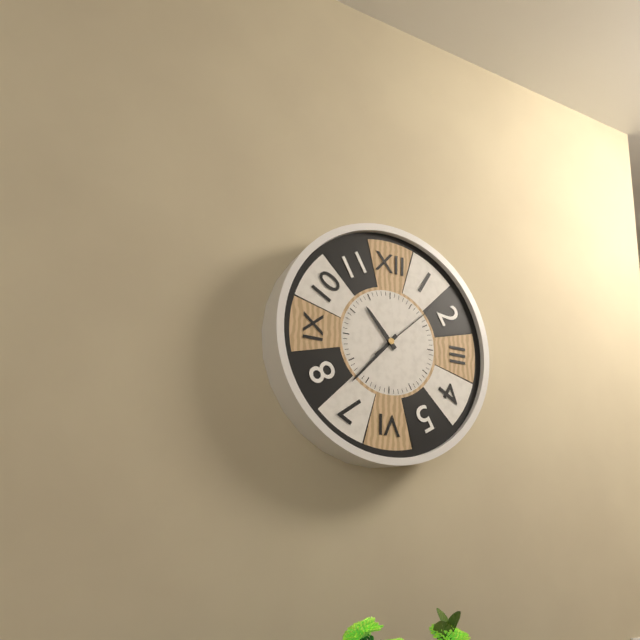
10 h 37 min 08 s
